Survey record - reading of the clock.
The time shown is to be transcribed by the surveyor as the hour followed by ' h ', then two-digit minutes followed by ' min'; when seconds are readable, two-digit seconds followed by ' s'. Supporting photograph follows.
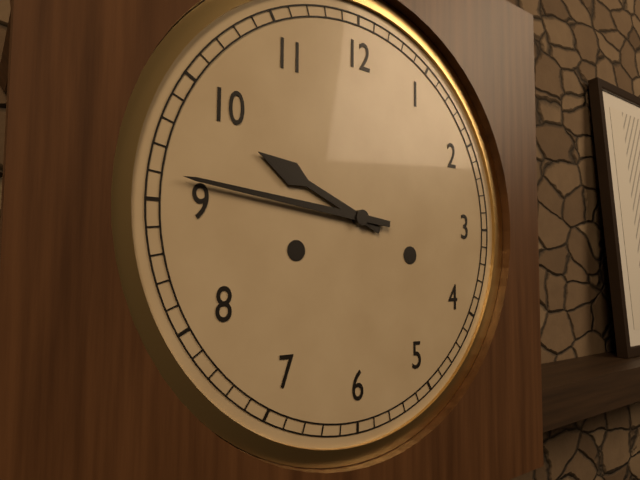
9 h 46 min
